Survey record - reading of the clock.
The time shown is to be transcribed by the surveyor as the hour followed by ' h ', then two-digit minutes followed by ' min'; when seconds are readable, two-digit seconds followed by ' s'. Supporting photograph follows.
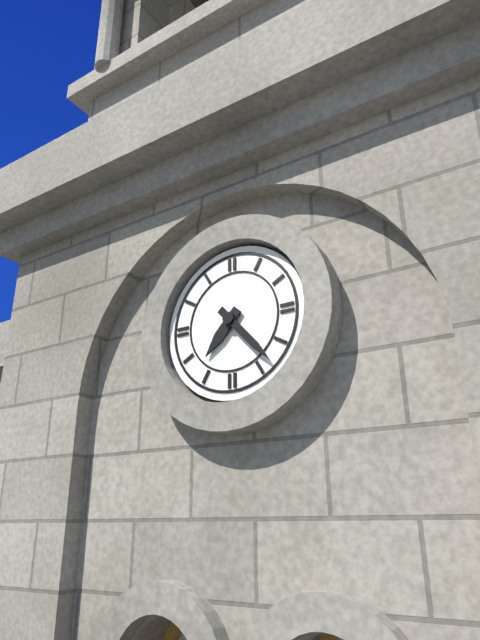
7 h 23 min
